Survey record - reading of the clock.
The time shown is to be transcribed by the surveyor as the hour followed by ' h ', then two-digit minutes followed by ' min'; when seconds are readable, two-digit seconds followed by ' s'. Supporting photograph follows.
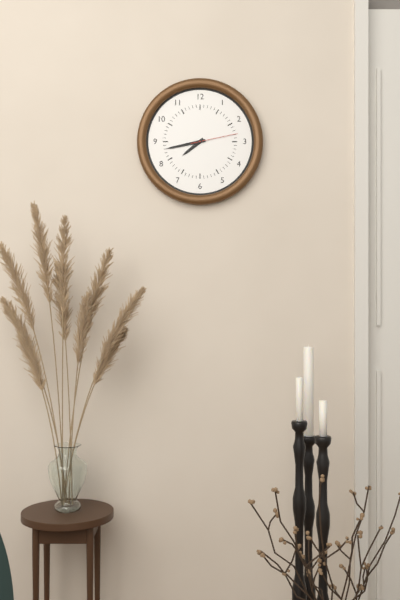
7 h 43 min
